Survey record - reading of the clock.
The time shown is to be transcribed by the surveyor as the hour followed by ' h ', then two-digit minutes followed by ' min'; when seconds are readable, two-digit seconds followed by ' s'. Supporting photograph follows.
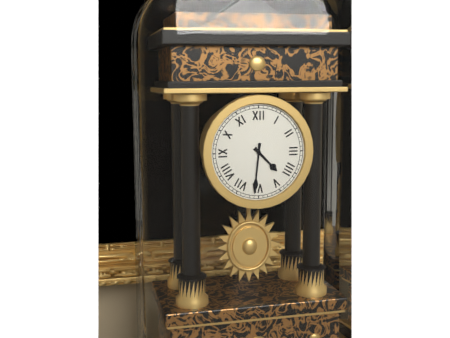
4 h 31 min
